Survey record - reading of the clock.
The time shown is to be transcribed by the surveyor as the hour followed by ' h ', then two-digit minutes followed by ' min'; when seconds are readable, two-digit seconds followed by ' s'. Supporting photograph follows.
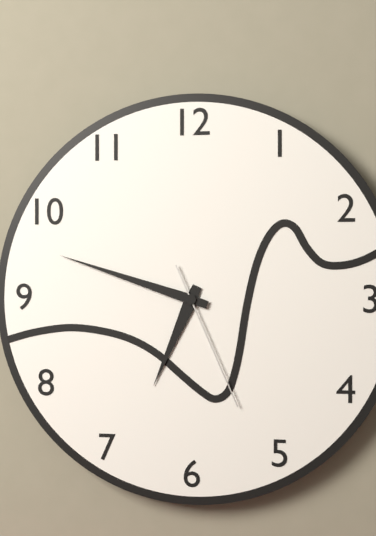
6 h 48 min 26 s
